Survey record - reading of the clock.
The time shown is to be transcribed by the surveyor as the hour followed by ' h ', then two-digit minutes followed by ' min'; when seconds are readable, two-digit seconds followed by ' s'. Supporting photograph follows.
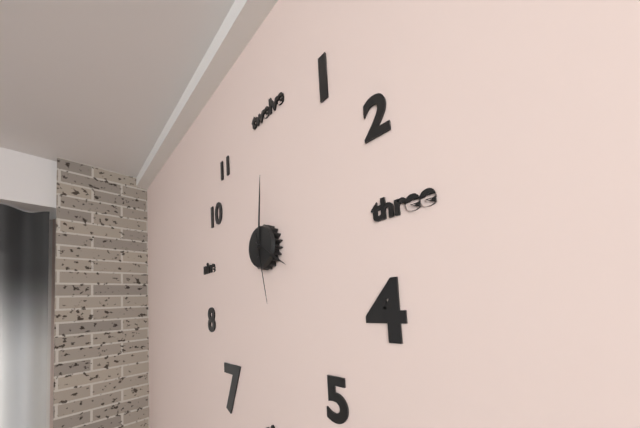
4 h 01 min 28 s
